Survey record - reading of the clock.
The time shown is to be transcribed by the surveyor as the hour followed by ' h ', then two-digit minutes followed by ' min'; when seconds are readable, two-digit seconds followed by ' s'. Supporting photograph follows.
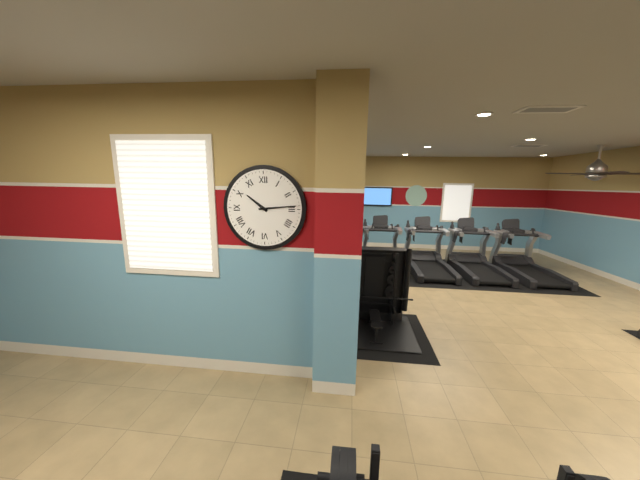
10 h 14 min
